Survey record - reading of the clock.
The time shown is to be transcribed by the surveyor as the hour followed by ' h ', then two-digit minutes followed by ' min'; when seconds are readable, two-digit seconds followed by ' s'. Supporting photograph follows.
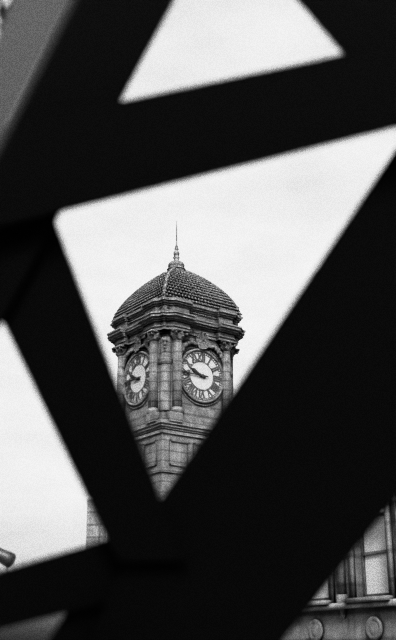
9 h 45 min
